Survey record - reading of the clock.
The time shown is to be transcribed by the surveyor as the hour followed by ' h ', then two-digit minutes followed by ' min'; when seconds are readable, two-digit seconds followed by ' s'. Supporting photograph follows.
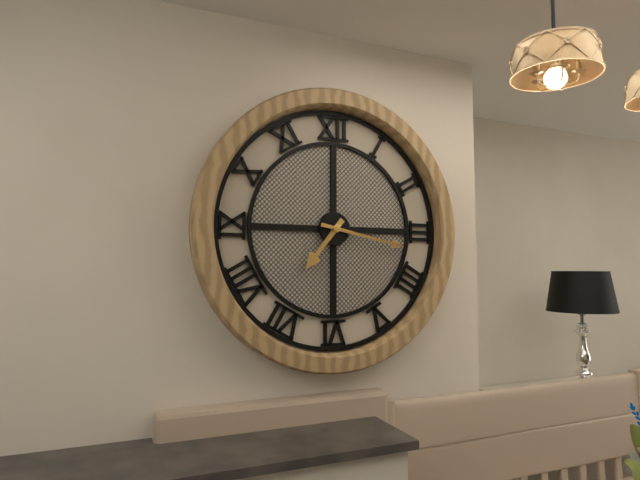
7 h 17 min
